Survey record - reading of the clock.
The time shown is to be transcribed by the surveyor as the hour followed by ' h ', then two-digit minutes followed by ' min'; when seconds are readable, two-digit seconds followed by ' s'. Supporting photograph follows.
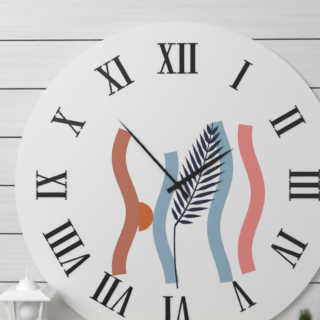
1 h 53 min
